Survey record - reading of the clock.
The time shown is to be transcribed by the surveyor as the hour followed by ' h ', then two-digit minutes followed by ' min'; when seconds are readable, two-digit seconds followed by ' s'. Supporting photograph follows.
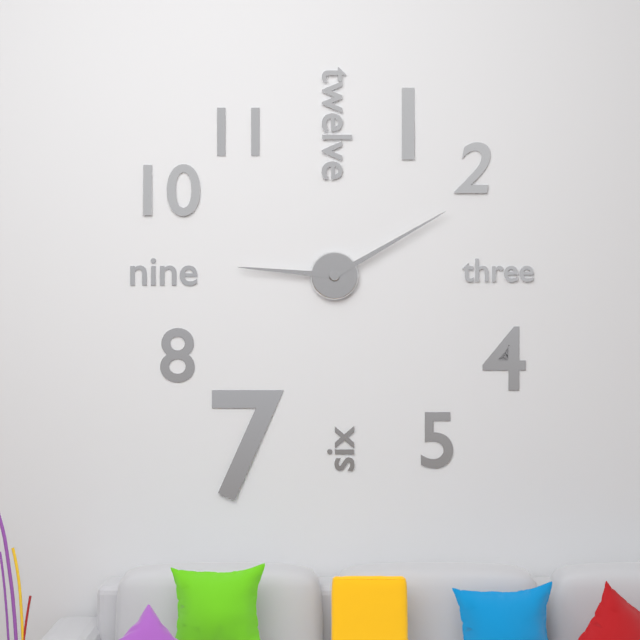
9 h 10 min
